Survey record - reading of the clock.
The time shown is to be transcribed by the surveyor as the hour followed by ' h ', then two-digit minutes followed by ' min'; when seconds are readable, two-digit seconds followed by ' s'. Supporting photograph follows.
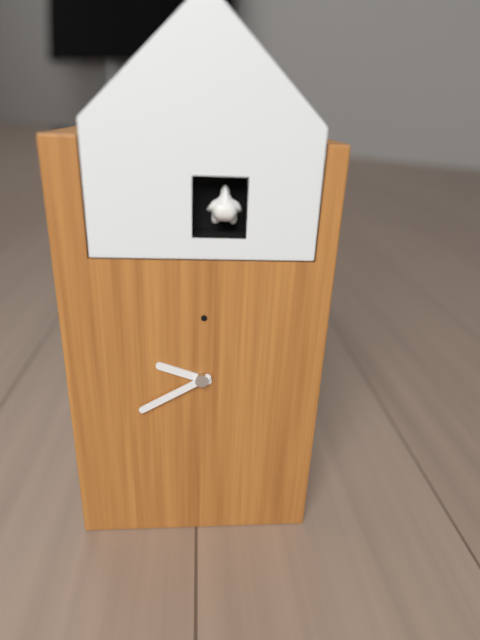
9 h 40 min
